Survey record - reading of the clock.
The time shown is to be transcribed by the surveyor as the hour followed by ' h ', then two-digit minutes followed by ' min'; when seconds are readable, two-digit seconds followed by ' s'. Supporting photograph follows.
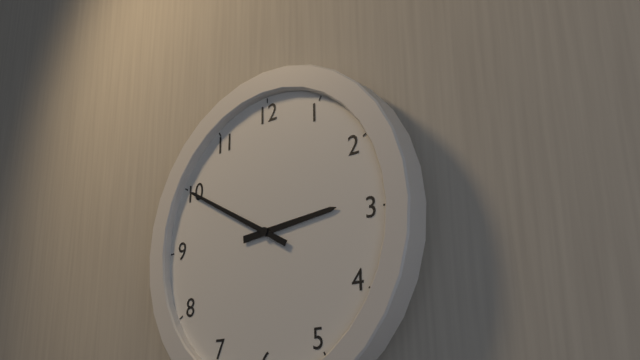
2 h 50 min
